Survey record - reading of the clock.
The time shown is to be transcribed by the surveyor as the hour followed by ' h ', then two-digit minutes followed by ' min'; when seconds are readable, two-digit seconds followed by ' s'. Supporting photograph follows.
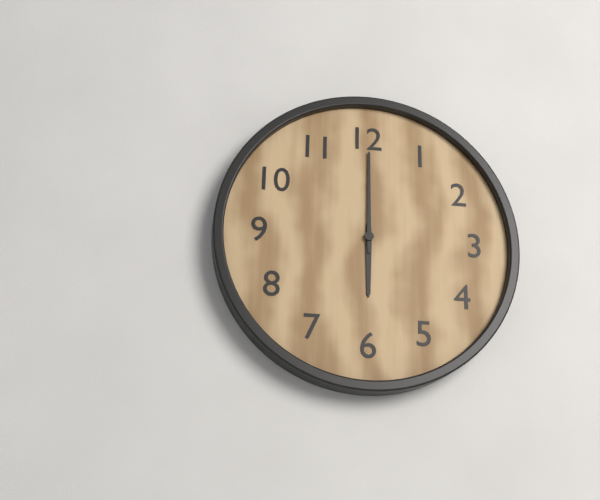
6 h 00 min
